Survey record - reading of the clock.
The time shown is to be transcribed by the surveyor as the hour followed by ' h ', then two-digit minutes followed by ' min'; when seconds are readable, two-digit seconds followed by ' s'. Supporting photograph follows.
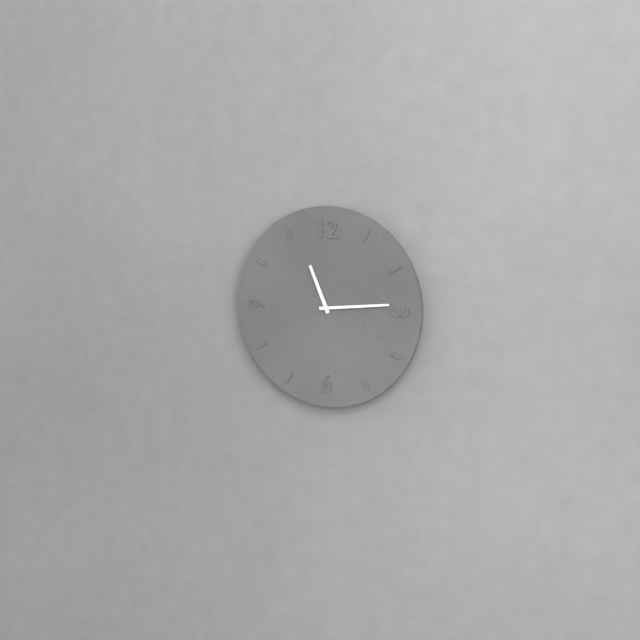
11 h 14 min
